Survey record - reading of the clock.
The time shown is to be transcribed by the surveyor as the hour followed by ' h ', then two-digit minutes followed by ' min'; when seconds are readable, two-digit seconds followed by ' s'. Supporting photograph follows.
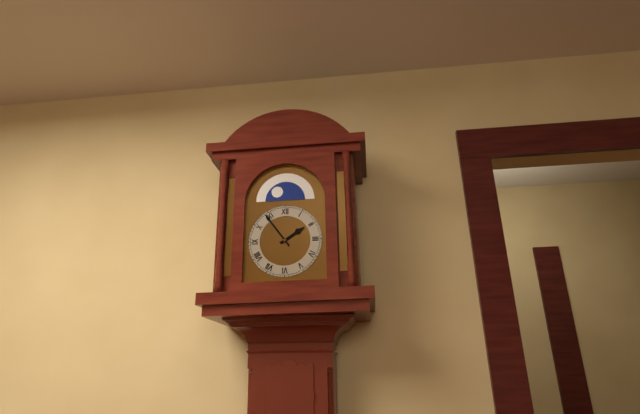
1 h 54 min
